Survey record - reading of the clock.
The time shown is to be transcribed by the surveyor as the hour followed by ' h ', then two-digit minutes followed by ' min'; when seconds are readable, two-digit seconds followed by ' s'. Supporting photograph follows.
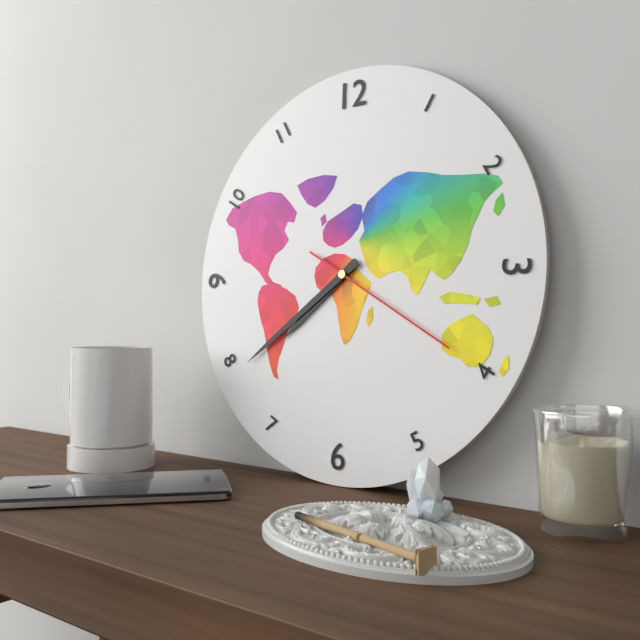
7 h 39 min 20 s
